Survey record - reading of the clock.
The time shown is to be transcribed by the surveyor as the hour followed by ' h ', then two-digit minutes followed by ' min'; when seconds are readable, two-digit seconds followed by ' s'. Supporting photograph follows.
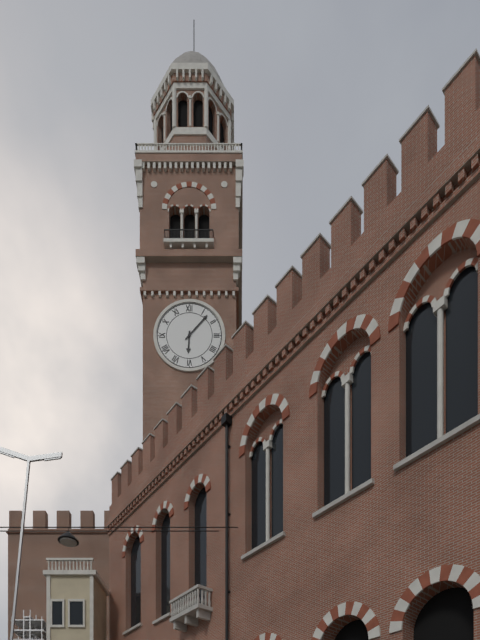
6 h 07 min
